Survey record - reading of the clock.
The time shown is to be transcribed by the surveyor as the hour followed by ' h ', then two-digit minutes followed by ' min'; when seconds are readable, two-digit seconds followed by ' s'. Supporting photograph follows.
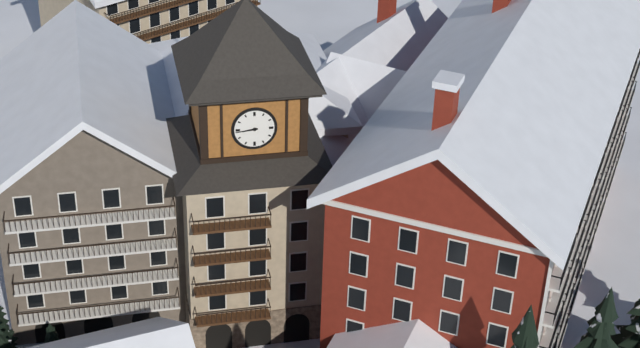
8 h 44 min
